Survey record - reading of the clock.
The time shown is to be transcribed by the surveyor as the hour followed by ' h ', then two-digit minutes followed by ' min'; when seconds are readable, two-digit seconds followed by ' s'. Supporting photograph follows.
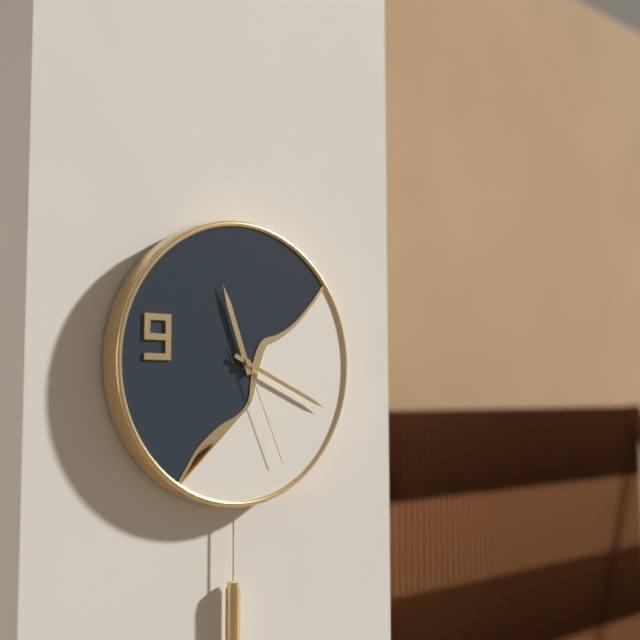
11 h 19 min 26 s
